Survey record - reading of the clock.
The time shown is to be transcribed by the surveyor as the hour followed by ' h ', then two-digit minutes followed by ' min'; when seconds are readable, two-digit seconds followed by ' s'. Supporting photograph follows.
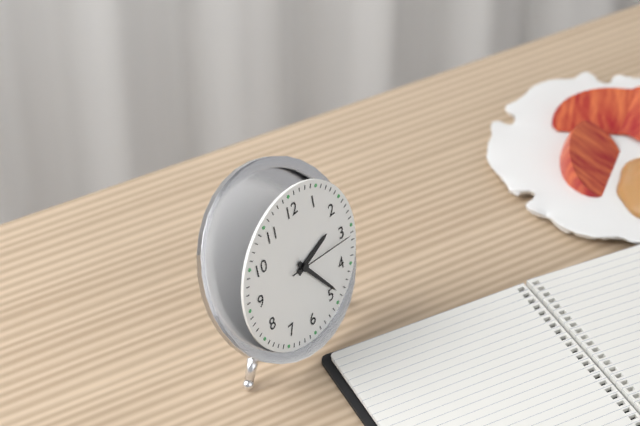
2 h 24 min 16 s
